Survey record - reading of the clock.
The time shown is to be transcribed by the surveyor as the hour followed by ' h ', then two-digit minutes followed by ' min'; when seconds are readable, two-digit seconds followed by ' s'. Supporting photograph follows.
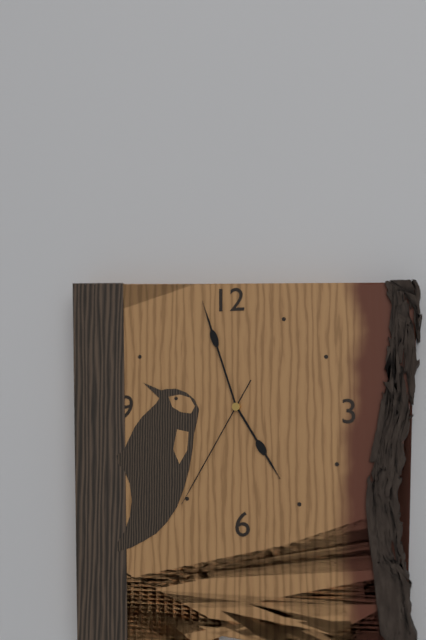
4 h 57 min 35 s
